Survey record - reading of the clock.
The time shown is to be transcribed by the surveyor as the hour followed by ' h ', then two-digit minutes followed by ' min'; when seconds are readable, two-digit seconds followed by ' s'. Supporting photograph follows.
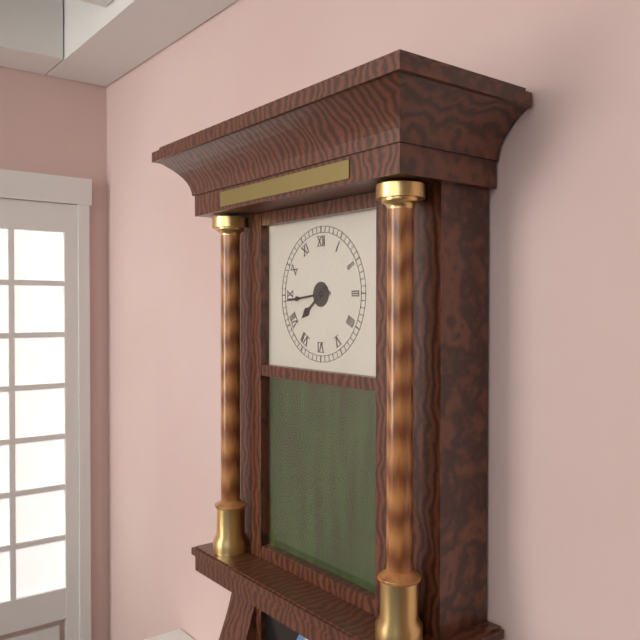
7 h 44 min
